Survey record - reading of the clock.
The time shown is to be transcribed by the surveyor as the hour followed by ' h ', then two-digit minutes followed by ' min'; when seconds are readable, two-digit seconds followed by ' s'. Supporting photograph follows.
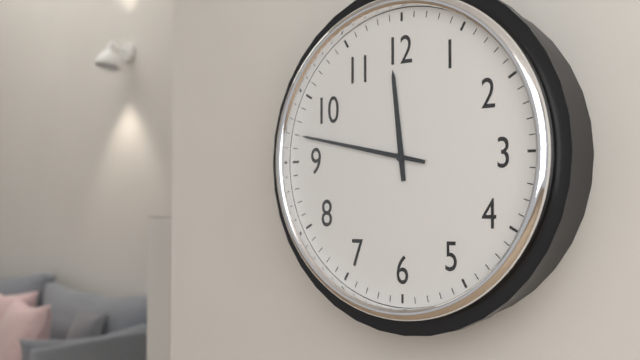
11 h 47 min
